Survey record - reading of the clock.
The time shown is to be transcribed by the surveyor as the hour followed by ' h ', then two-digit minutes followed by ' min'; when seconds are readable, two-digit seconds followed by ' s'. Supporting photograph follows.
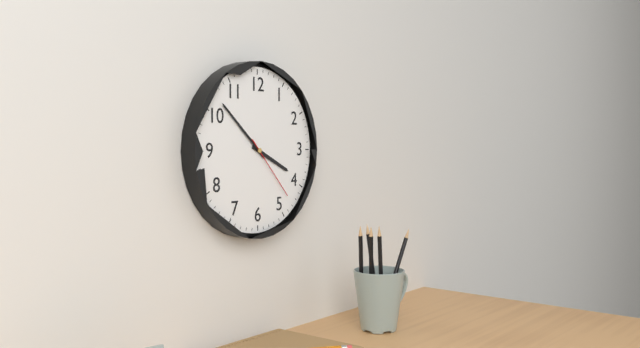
3 h 52 min 23 s
